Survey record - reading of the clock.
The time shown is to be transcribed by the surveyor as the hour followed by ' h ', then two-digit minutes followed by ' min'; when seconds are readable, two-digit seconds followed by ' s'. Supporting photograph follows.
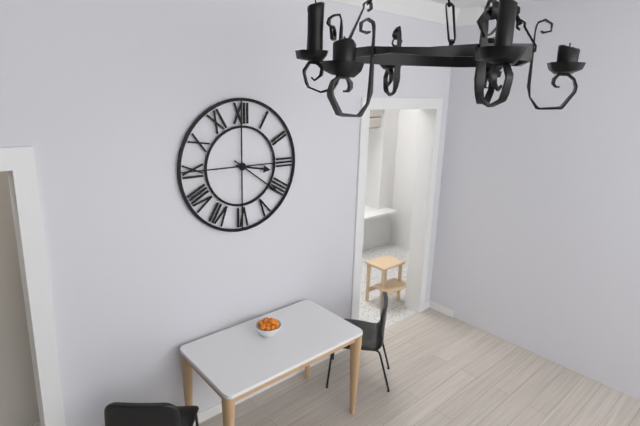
3 h 21 min
